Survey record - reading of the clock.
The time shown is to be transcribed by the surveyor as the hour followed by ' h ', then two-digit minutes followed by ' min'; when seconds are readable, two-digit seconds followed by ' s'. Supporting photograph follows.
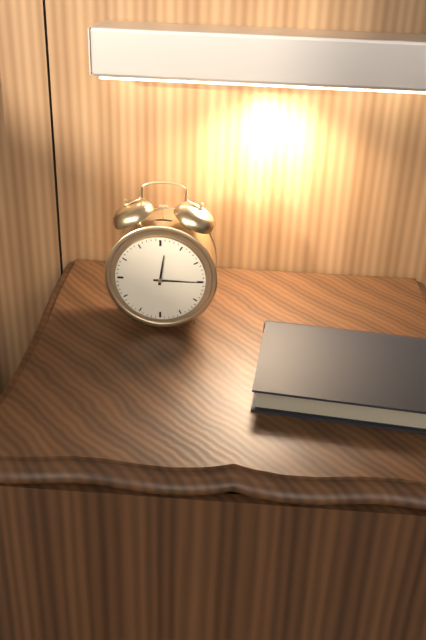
12 h 15 min
